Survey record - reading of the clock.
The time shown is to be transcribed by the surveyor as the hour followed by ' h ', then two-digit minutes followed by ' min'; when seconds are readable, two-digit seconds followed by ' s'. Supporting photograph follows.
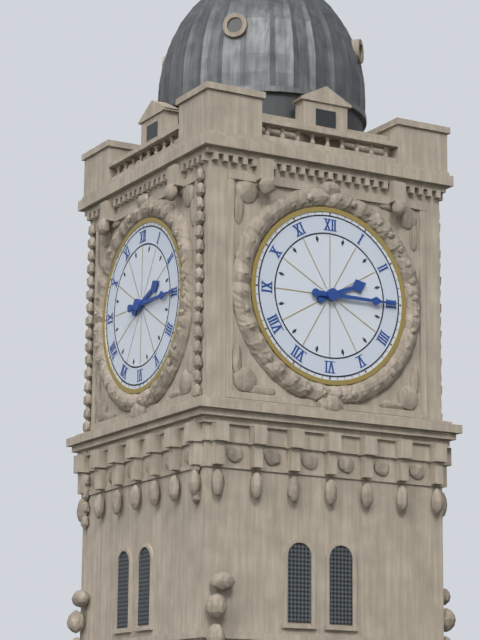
2 h 15 min
